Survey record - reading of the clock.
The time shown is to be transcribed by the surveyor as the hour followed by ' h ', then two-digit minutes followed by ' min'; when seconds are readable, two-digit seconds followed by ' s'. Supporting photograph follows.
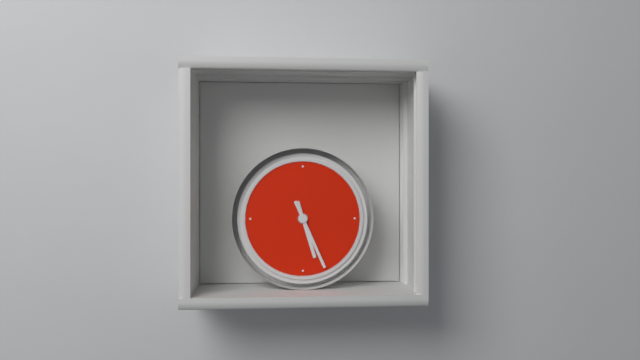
5 h 26 min
